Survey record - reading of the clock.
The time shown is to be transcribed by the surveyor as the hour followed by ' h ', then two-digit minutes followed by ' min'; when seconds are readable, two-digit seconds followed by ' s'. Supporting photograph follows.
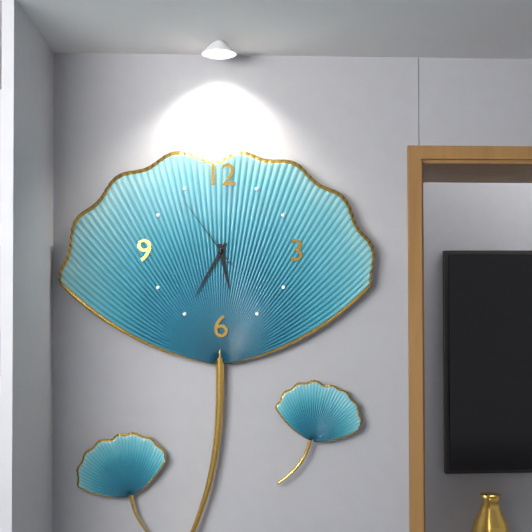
5 h 35 min 54 s
